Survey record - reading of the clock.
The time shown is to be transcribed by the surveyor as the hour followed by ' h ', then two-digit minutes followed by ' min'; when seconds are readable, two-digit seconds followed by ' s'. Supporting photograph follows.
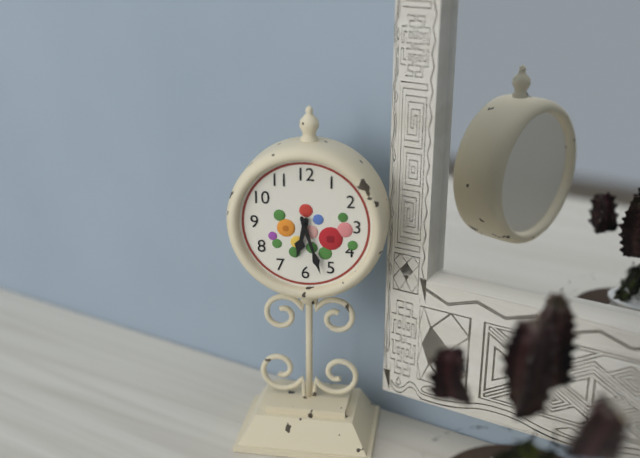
6 h 27 min
